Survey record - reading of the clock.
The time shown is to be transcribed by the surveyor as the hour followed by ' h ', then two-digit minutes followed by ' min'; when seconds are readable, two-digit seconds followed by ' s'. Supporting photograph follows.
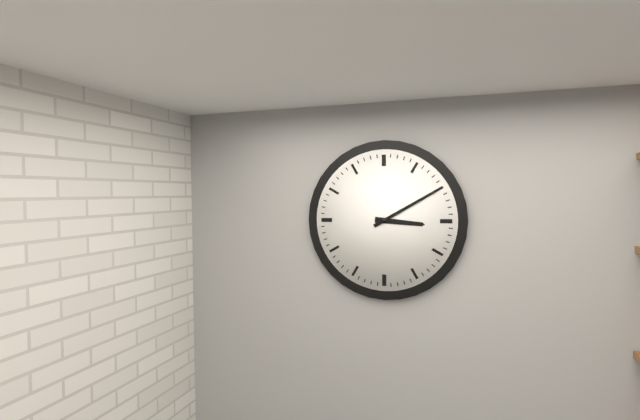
3 h 10 min
